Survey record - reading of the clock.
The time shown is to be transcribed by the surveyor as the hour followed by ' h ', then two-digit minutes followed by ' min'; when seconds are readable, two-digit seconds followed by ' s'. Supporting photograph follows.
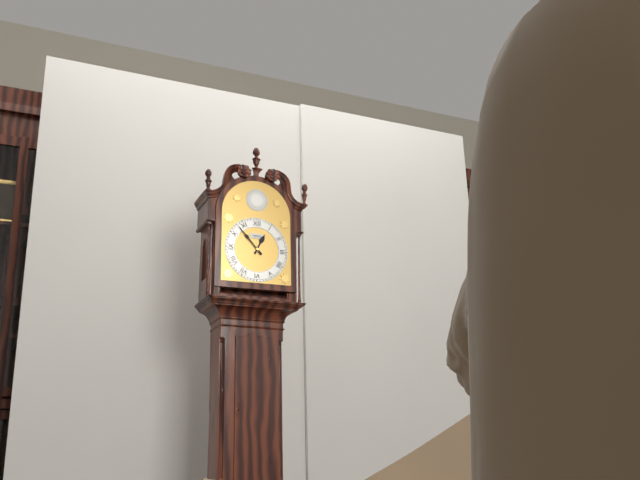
12 h 53 min
